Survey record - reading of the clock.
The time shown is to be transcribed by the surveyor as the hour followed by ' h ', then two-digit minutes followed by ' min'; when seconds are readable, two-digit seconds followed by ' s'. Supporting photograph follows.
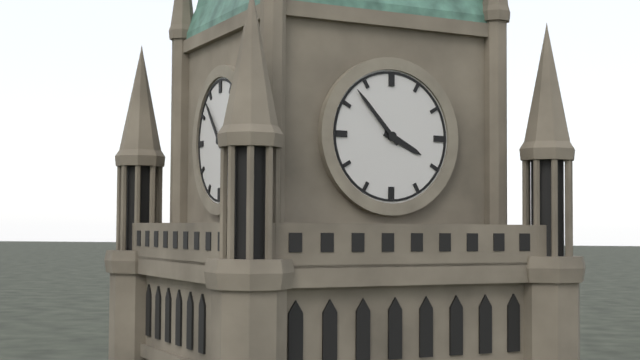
3 h 53 min
